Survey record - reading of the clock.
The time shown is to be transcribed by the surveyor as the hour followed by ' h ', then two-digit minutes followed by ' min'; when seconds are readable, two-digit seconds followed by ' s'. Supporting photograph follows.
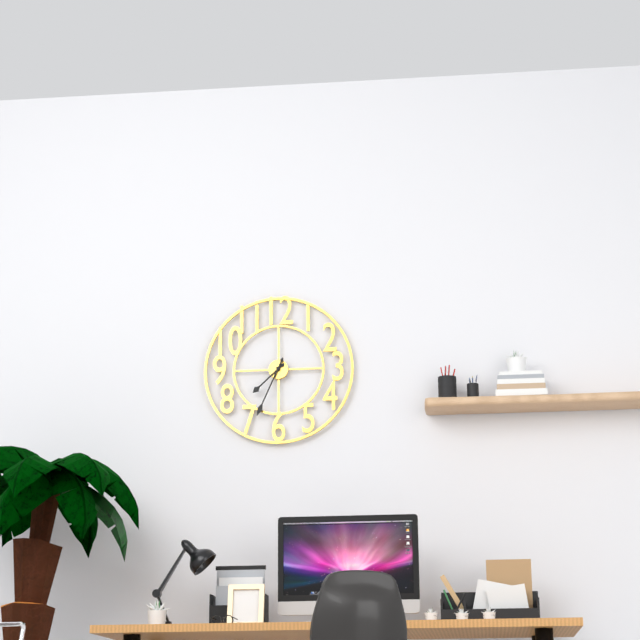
7 h 34 min
